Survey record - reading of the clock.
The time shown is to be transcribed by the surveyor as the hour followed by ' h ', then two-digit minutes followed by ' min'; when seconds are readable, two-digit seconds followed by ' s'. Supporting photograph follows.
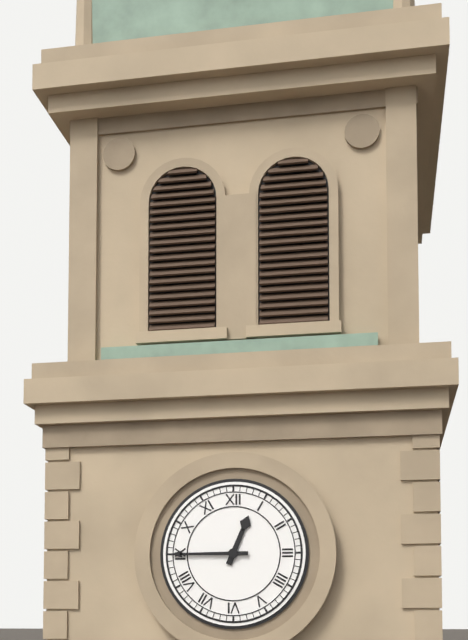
12 h 45 min
